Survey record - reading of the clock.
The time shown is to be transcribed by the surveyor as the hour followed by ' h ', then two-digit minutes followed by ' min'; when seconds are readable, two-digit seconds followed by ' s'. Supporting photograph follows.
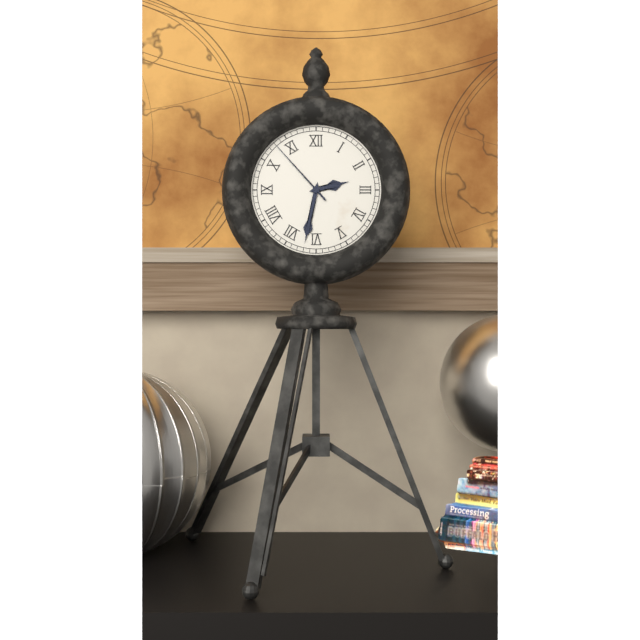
2 h 32 min 53 s
